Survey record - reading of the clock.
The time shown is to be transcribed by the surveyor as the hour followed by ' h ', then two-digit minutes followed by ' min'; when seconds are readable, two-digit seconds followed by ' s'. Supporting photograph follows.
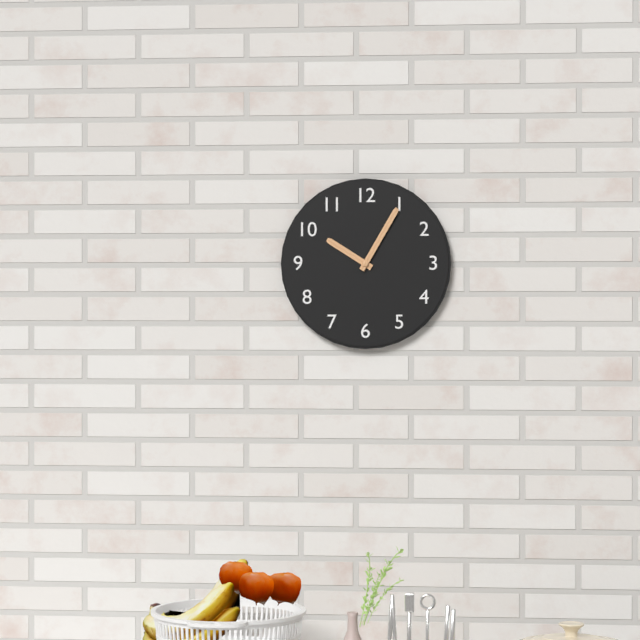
10 h 05 min
